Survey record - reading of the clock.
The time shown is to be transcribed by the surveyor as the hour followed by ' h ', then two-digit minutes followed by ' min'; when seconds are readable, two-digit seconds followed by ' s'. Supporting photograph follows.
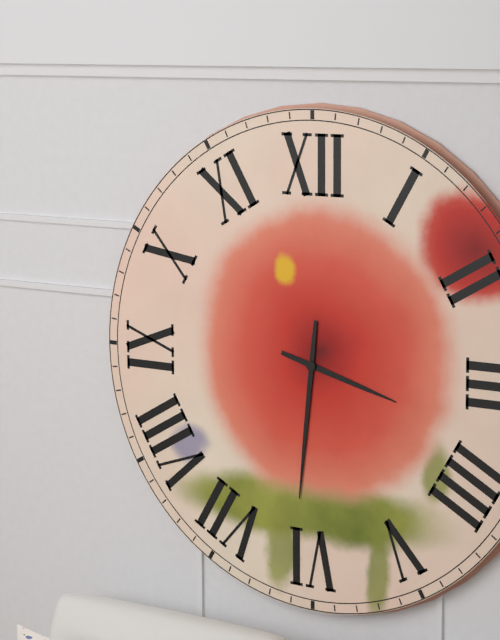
3 h 31 min
